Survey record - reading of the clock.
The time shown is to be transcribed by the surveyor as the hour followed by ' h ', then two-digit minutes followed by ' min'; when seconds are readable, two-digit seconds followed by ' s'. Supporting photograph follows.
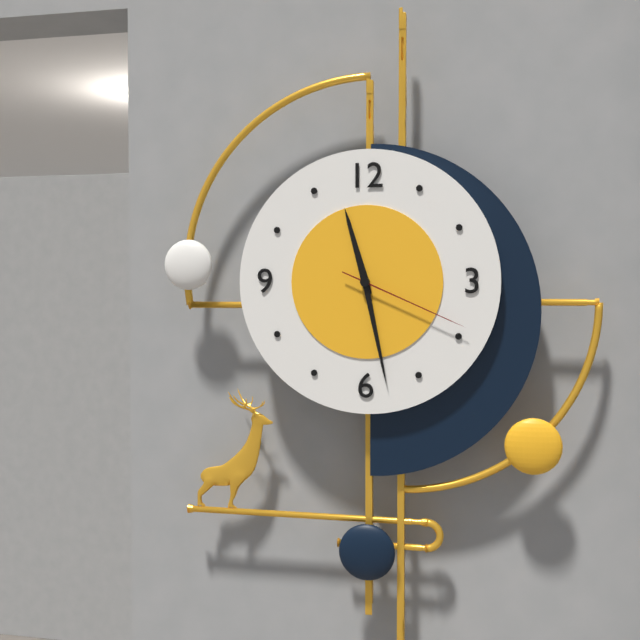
11 h 28 min 19 s
